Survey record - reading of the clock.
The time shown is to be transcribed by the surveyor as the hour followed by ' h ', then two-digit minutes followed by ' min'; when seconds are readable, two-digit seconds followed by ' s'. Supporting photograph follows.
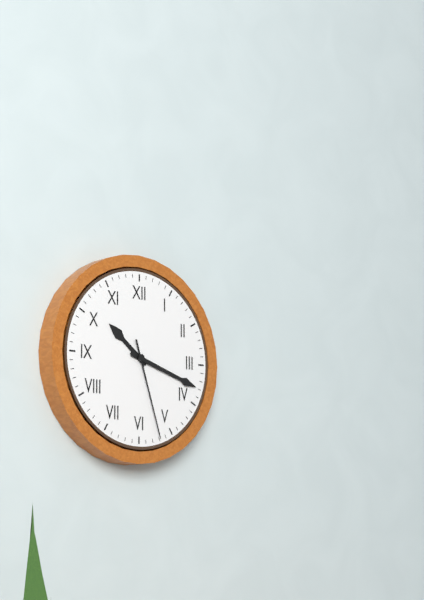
10 h 18 min 27 s
